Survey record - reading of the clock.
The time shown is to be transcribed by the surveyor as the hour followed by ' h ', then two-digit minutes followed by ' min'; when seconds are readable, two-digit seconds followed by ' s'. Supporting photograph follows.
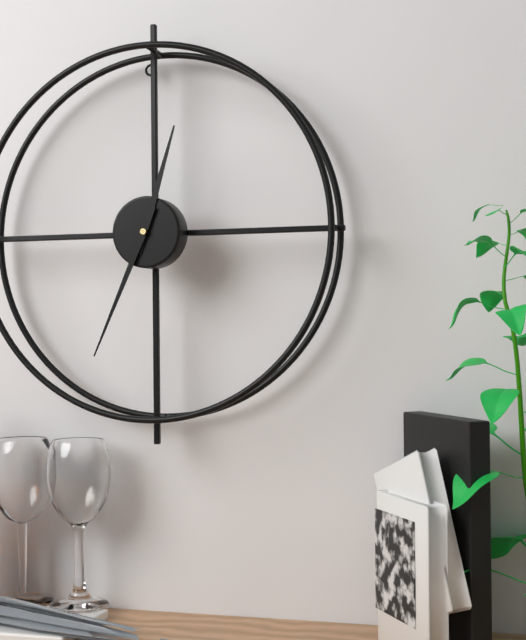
12 h 34 min
